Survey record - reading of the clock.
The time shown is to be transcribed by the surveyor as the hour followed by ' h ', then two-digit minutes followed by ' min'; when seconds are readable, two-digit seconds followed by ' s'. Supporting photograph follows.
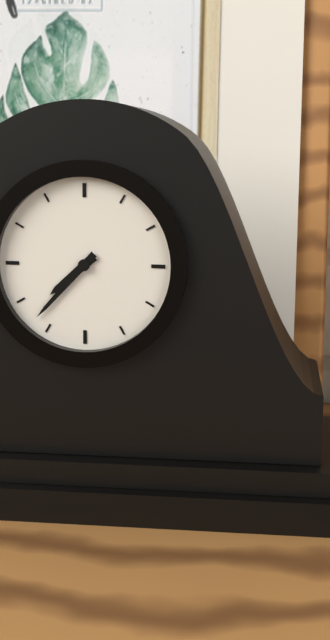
7 h 37 min
